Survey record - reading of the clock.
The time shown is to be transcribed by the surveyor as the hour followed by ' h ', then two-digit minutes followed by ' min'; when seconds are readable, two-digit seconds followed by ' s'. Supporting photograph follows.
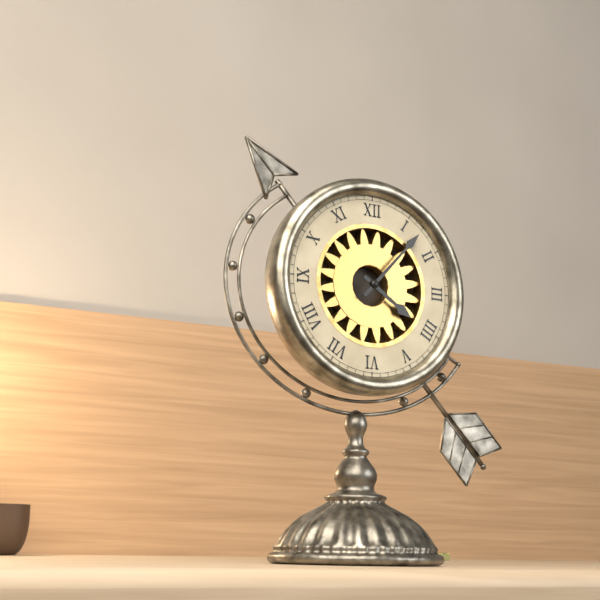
4 h 07 min
